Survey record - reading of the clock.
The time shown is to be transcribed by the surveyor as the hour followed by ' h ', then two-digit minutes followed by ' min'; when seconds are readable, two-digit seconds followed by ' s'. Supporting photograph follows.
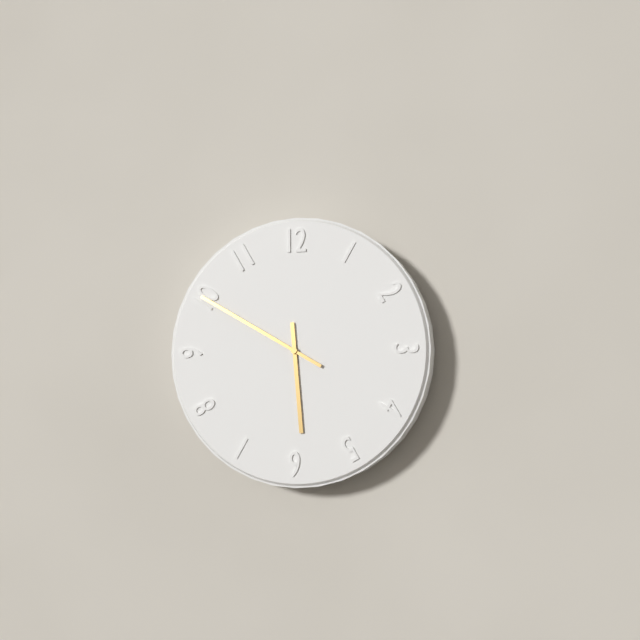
5 h 50 min
